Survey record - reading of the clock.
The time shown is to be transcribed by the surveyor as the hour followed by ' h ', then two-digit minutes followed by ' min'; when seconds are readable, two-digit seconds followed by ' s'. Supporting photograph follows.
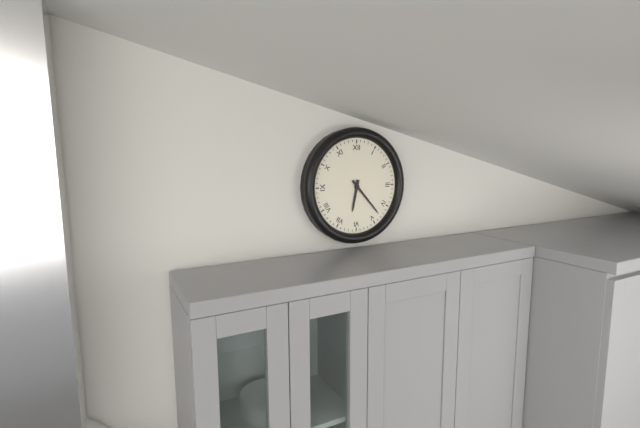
6 h 23 min
